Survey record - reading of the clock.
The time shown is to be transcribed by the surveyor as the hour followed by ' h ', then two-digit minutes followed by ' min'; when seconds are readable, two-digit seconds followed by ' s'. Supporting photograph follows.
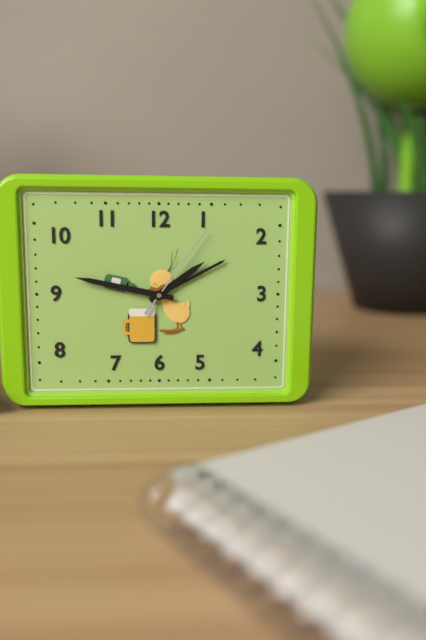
1 h 47 min 06 s
